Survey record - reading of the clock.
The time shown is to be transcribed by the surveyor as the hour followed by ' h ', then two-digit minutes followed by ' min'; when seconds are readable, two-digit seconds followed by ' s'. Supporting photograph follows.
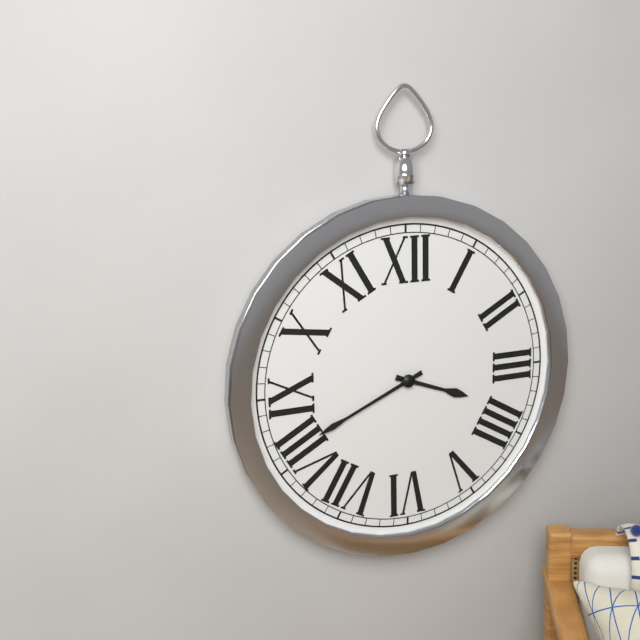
3 h 41 min
